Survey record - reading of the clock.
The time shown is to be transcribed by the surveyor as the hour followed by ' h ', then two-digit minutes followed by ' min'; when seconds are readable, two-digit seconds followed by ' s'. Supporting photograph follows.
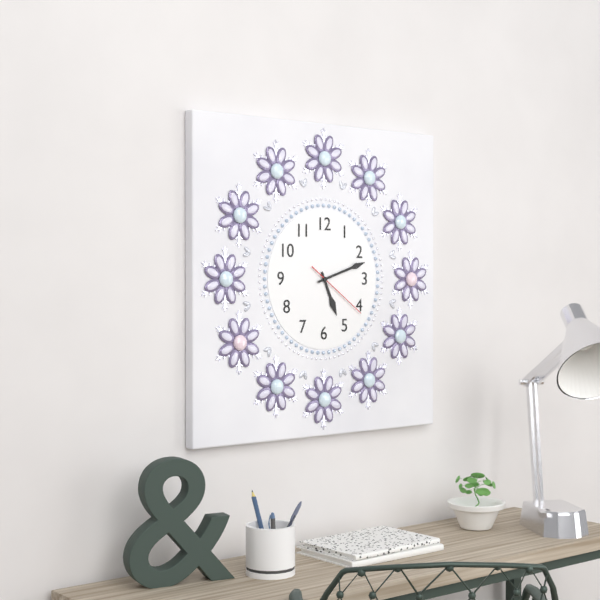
5 h 12 min 21 s
